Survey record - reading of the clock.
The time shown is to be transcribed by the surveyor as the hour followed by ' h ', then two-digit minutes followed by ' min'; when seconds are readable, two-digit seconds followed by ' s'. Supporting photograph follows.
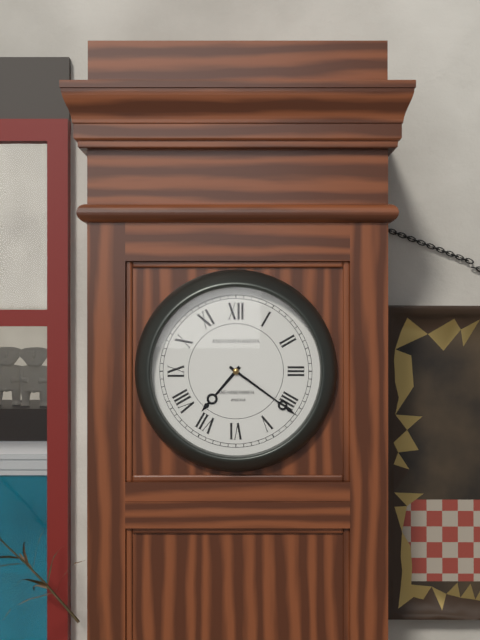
7 h 21 min
